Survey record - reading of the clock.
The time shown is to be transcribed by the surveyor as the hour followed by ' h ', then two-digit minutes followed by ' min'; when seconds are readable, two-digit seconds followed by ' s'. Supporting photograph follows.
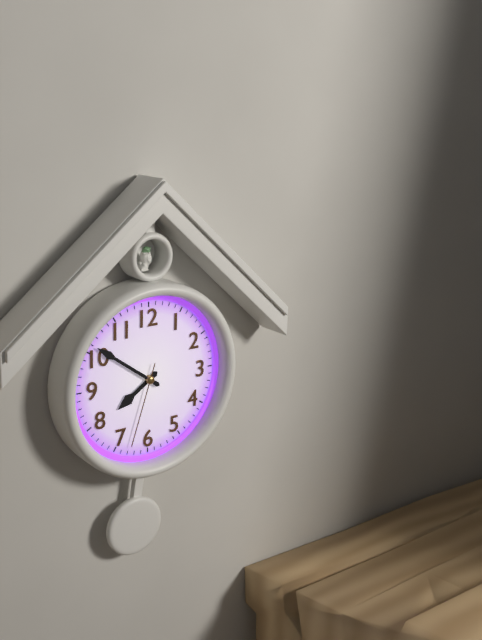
7 h 51 min 33 s
